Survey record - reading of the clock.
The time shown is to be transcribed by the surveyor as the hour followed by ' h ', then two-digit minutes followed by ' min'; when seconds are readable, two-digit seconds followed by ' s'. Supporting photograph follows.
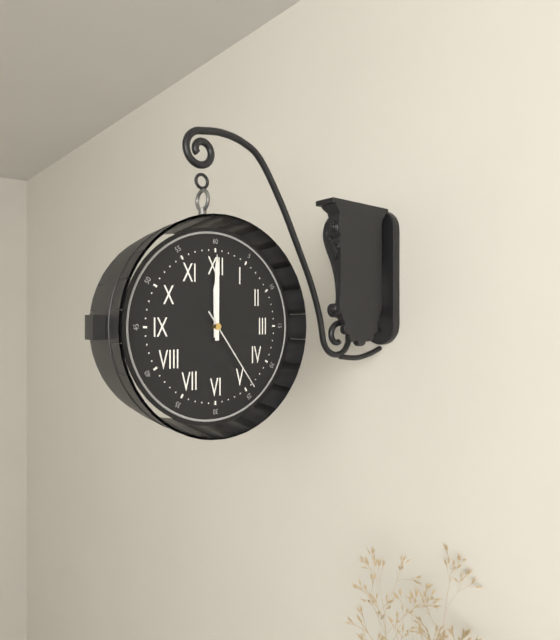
12 h 00 min 24 s
